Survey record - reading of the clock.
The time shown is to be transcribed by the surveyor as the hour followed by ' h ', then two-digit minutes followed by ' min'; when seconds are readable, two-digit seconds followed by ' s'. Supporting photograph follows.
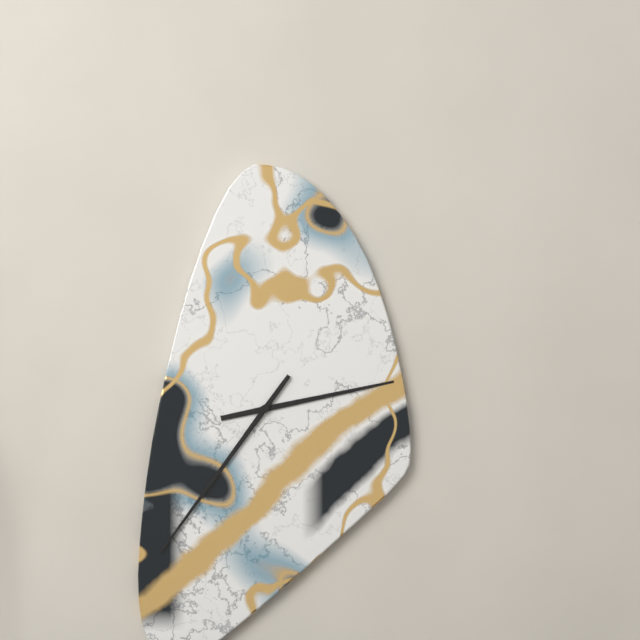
2 h 36 min
